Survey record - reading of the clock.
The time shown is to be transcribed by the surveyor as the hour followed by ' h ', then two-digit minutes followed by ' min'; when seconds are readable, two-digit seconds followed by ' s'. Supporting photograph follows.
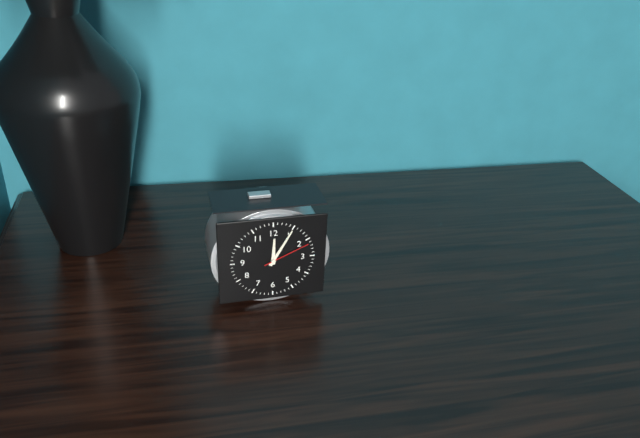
12 h 05 min 11 s
